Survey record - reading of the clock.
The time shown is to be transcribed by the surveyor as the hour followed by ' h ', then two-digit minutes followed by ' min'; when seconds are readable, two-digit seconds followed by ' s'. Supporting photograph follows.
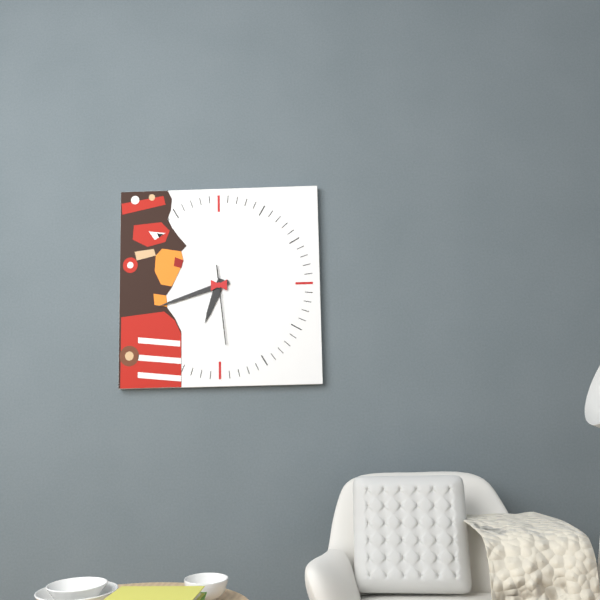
6 h 42 min 29 s
